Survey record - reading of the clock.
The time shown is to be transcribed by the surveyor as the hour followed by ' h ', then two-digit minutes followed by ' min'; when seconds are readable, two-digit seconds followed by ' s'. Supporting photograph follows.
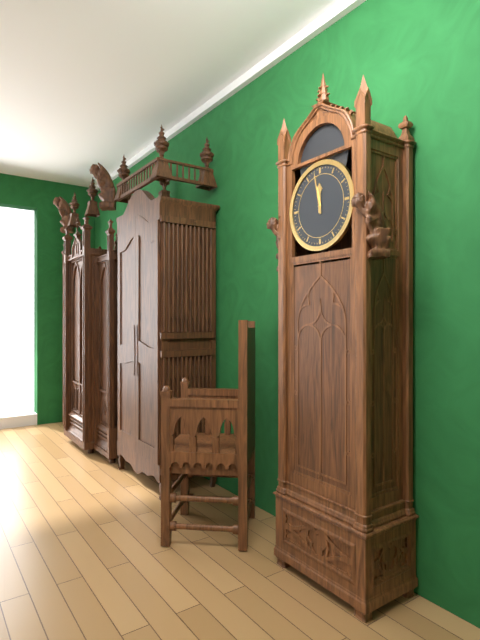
11 h 58 min
